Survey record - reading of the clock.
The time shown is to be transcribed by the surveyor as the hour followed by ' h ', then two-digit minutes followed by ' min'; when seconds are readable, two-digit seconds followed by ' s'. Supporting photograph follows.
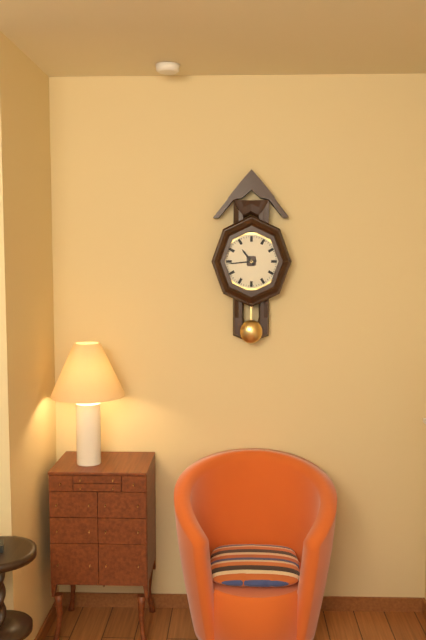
10 h 44 min
